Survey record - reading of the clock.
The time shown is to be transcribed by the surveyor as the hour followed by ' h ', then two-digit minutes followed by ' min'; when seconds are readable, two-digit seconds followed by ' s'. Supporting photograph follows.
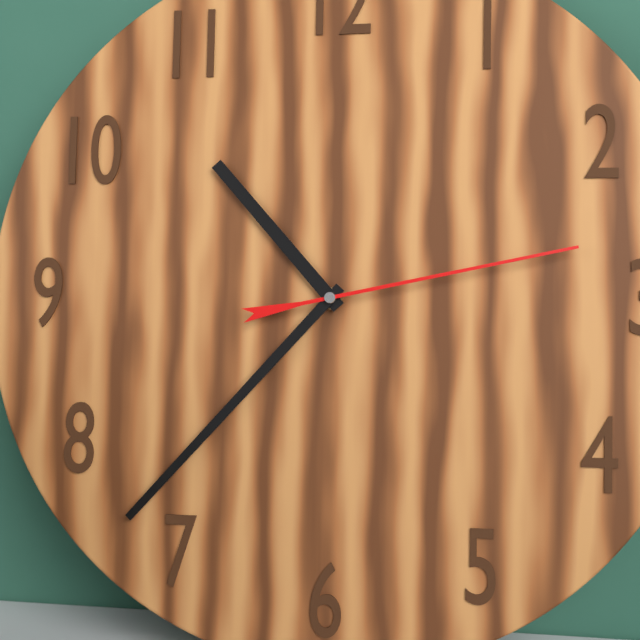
10 h 37 min 13 s
